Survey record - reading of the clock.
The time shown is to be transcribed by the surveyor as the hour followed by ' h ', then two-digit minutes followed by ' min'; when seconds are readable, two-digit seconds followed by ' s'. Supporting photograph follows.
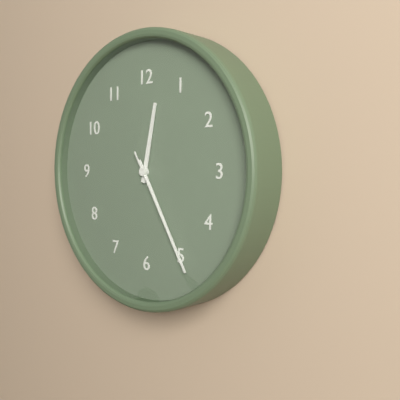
12 h 25 min 25 s
